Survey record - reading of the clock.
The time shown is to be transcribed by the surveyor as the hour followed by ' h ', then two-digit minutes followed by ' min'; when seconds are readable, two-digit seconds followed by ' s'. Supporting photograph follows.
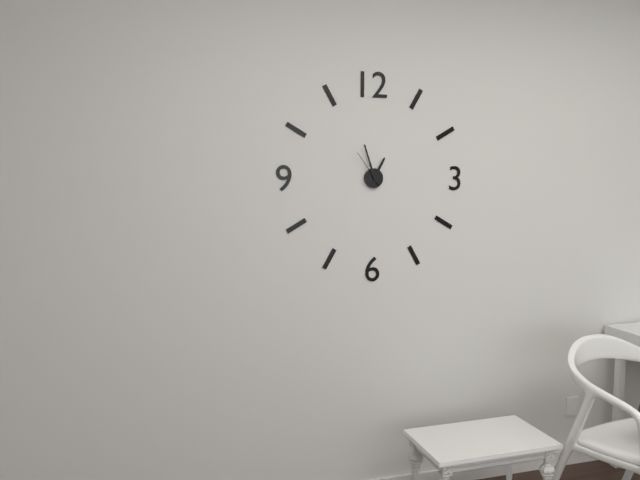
12 h 57 min
